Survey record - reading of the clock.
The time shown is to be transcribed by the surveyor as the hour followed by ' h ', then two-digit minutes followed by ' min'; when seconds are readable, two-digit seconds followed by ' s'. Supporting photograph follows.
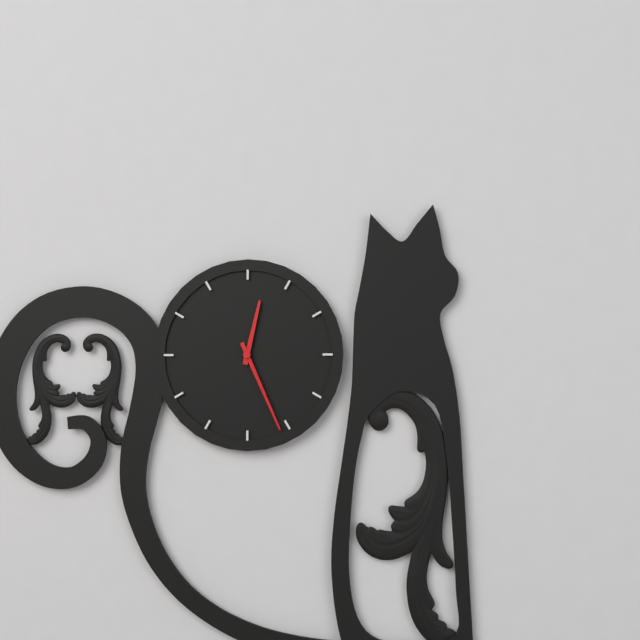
12 h 26 min
